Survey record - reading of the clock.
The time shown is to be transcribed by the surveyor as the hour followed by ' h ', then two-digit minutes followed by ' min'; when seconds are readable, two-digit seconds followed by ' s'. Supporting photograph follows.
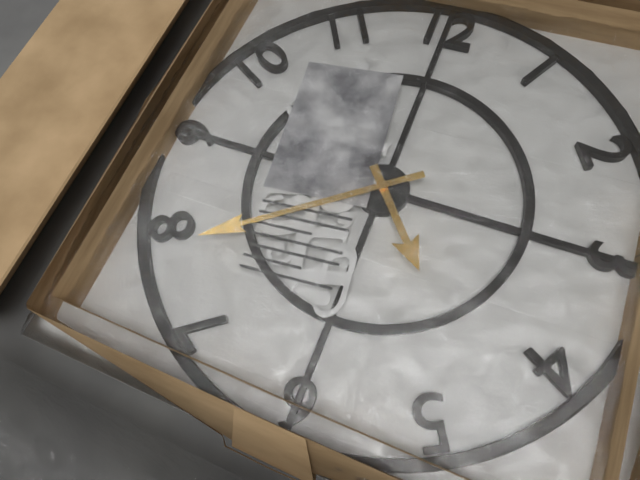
4 h 39 min
